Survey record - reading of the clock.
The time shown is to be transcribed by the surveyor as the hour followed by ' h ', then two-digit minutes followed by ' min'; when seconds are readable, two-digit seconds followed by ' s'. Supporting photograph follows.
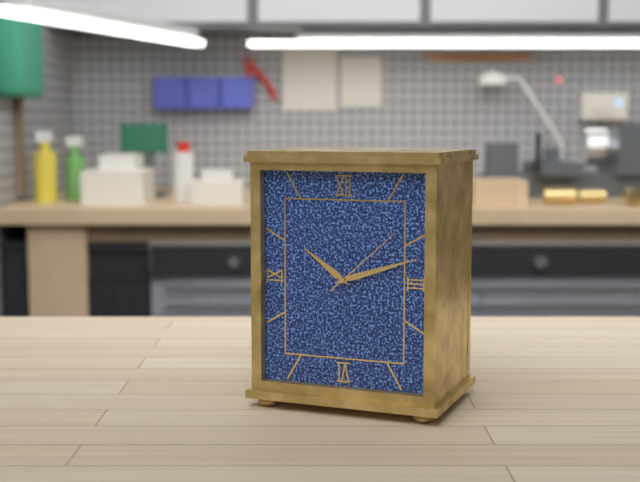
10 h 12 min 08 s
